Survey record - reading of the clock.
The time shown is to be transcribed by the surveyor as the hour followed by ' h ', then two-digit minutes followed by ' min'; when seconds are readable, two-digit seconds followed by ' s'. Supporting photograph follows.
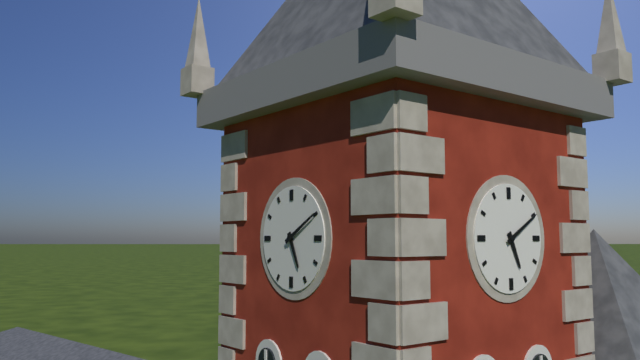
5 h 10 min
